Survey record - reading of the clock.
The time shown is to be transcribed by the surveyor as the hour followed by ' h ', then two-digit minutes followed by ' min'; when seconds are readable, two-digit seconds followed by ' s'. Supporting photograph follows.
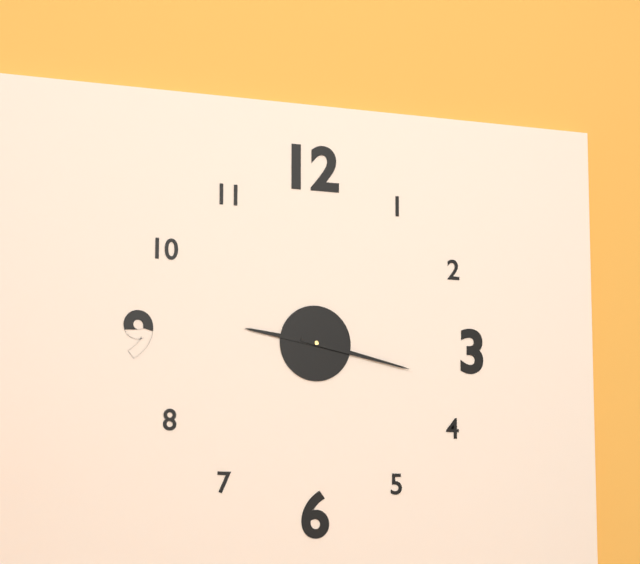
9 h 17 min
